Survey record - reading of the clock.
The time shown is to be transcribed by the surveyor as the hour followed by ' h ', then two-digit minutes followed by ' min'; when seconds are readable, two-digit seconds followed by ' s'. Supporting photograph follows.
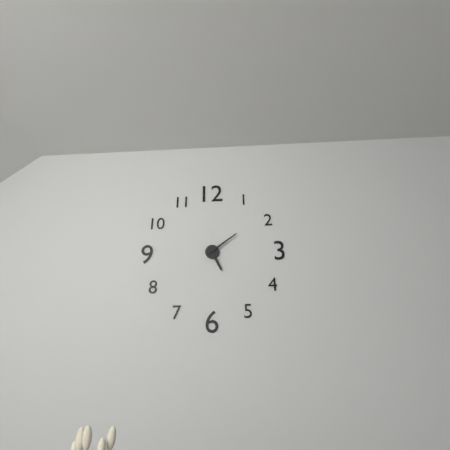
5 h 09 min
